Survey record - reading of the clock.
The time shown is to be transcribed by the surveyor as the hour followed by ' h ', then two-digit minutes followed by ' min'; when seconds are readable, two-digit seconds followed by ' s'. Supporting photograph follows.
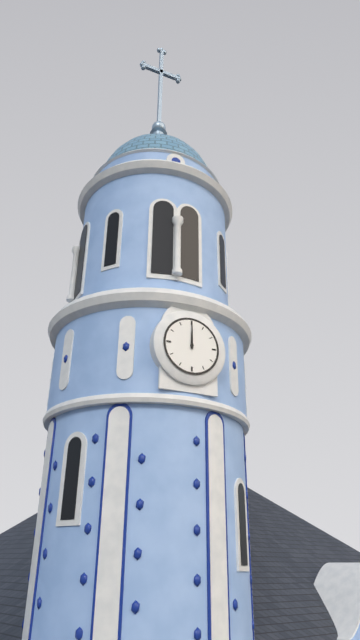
12 h 00 min
